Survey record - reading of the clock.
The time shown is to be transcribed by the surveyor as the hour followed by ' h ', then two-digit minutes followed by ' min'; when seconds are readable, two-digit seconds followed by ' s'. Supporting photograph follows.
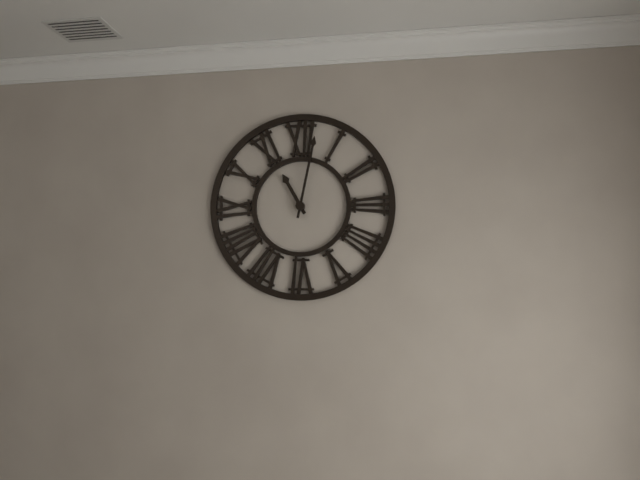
11 h 02 min
